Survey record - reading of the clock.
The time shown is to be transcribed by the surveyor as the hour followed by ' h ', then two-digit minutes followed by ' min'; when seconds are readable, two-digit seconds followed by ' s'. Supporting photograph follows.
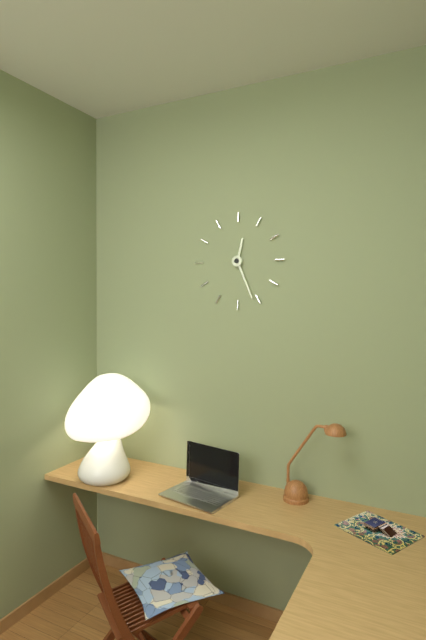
12 h 26 min
